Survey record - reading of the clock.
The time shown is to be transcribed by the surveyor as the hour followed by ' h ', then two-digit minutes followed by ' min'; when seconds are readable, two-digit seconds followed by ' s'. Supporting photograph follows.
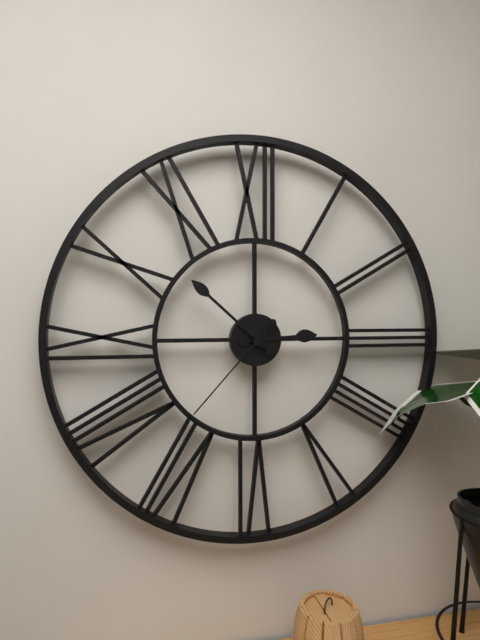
2 h 52 min 37 s
